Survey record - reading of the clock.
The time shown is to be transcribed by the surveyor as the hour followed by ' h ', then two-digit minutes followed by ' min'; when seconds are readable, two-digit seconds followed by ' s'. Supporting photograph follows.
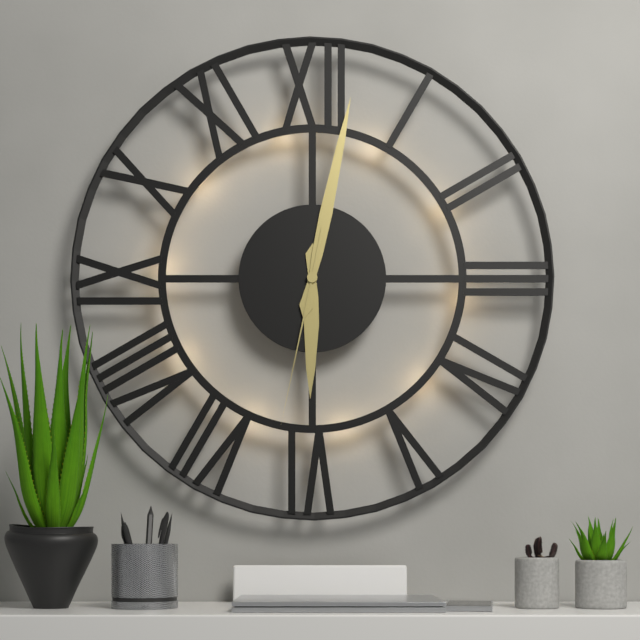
6 h 02 min 32 s
